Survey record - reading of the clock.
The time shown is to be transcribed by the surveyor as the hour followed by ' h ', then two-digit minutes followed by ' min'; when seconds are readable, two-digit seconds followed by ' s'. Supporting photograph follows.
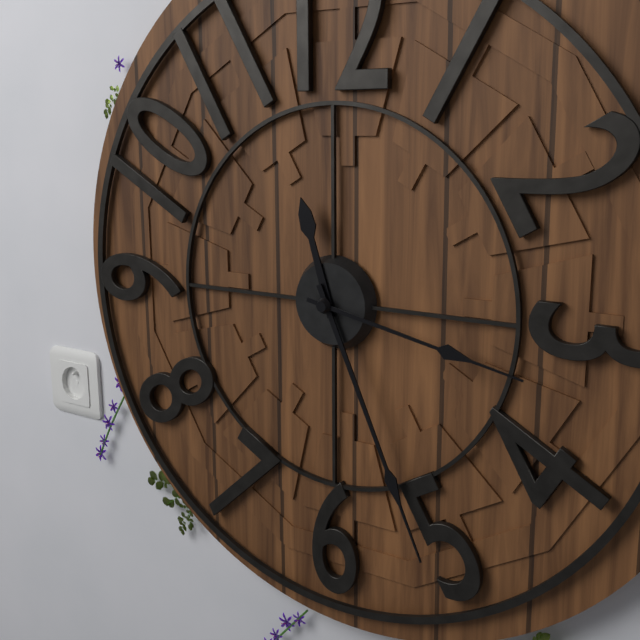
11 h 26 min 17 s
